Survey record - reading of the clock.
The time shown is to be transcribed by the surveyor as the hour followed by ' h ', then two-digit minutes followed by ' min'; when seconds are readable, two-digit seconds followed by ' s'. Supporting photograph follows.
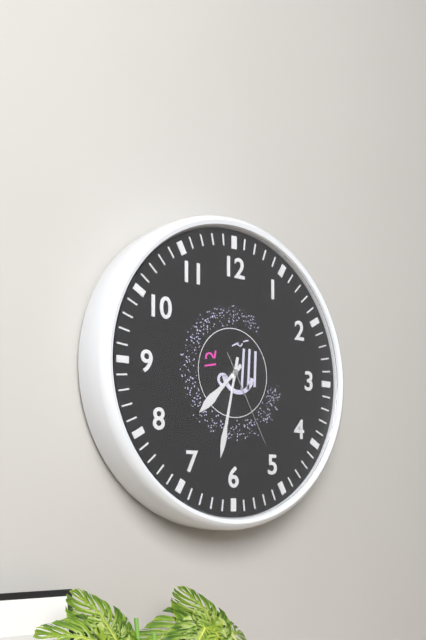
7 h 32 min 25 s
